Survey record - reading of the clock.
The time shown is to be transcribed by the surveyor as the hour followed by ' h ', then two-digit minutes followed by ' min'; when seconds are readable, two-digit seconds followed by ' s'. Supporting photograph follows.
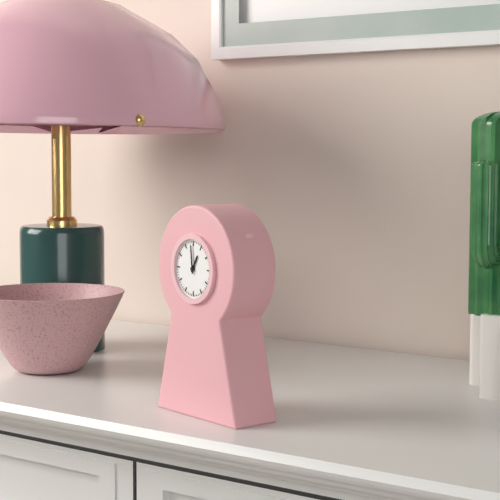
12 h 59 min
